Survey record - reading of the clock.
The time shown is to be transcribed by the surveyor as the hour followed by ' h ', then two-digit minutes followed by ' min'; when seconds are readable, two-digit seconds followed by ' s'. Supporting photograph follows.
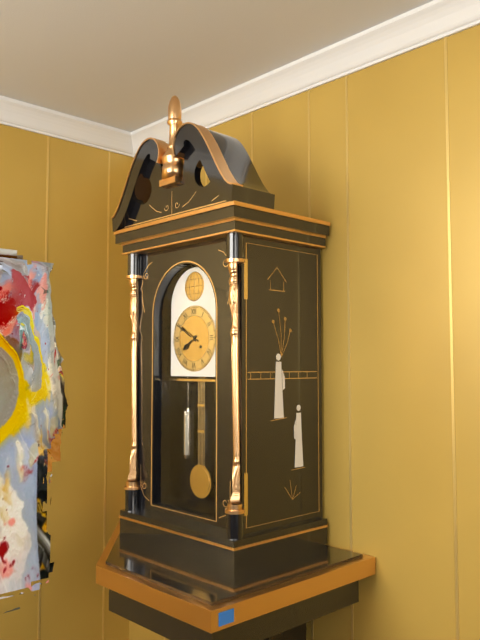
7 h 50 min
